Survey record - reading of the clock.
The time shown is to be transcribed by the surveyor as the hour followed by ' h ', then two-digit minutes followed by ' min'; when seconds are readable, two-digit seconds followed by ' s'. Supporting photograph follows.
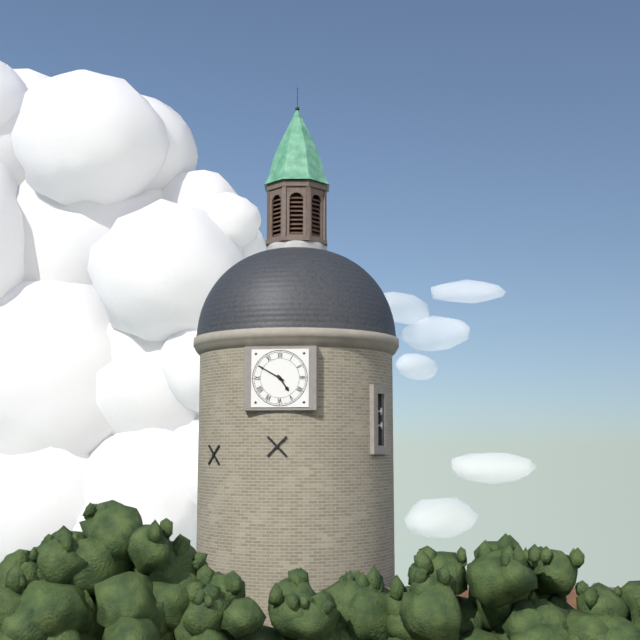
4 h 50 min
